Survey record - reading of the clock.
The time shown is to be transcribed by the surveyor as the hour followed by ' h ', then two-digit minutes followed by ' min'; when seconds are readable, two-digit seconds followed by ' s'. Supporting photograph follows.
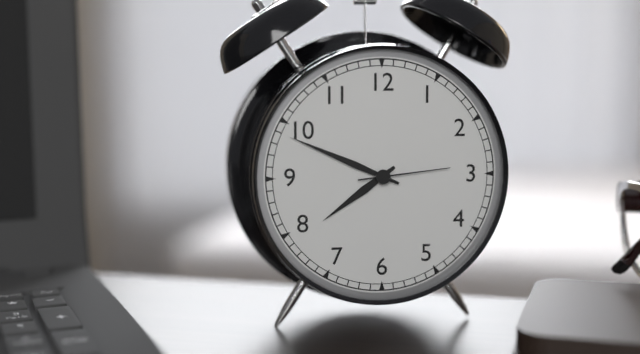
7 h 49 min 14 s
